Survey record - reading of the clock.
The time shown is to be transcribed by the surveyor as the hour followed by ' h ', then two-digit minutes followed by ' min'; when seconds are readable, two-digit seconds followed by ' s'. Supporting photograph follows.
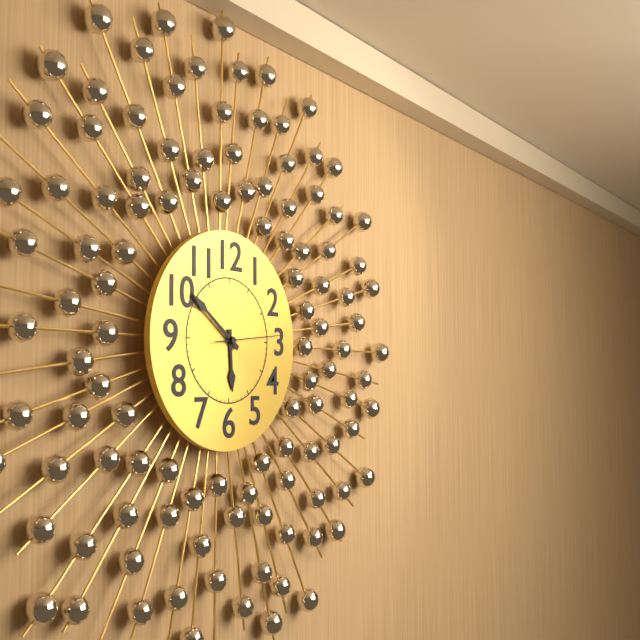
5 h 51 min 14 s
